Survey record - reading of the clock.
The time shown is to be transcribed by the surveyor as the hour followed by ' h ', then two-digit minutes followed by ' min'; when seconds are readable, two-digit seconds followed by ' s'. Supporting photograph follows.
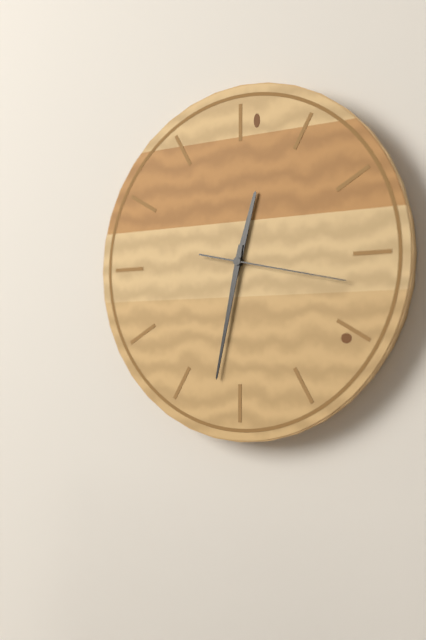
12 h 32 min 17 s
